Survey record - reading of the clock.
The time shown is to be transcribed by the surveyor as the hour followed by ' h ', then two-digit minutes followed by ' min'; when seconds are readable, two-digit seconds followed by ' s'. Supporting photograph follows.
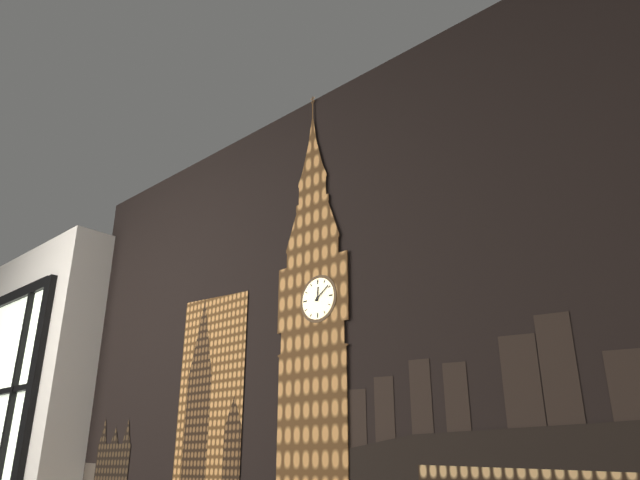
12 h 09 min
